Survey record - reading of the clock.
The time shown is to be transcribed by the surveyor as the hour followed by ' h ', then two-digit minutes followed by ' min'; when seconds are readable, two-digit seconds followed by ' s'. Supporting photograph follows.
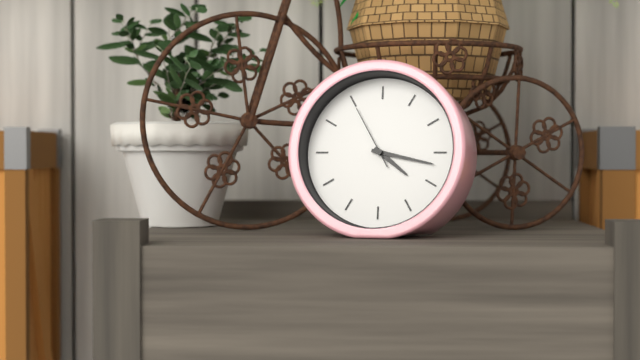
4 h 17 min 55 s
